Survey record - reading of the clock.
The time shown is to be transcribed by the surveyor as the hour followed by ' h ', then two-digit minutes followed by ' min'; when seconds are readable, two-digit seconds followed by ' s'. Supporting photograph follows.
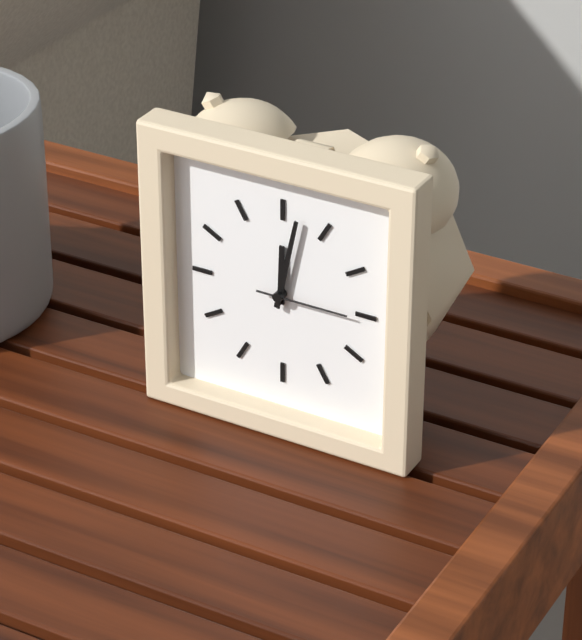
12 h 02 min 15 s
